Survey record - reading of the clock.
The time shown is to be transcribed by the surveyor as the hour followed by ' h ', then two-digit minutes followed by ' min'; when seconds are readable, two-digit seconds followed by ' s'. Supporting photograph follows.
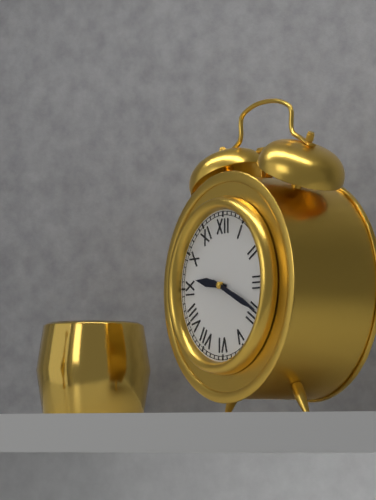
9 h 19 min
